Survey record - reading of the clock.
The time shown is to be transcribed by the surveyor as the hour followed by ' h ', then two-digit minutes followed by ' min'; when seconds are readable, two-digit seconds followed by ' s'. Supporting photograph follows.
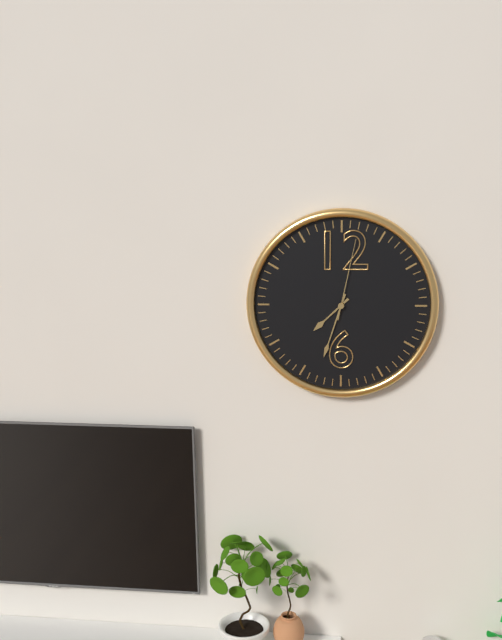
7 h 33 min 02 s
